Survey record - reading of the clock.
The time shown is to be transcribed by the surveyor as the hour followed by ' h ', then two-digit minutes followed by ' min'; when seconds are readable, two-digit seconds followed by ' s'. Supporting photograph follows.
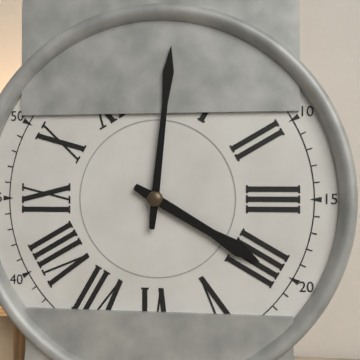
4 h 01 min
